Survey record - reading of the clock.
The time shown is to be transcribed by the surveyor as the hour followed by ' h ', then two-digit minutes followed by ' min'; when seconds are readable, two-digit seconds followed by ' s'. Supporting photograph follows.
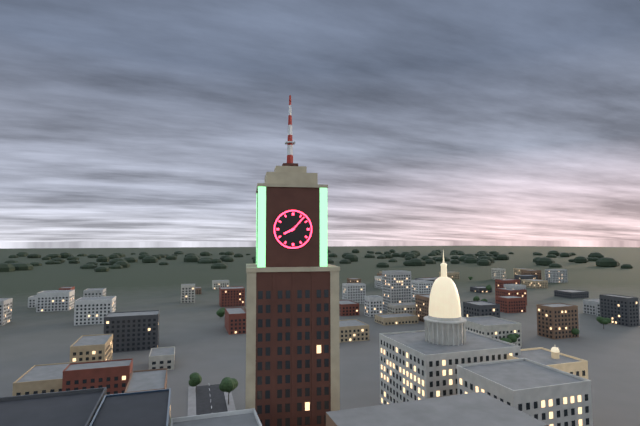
8 h 07 min
